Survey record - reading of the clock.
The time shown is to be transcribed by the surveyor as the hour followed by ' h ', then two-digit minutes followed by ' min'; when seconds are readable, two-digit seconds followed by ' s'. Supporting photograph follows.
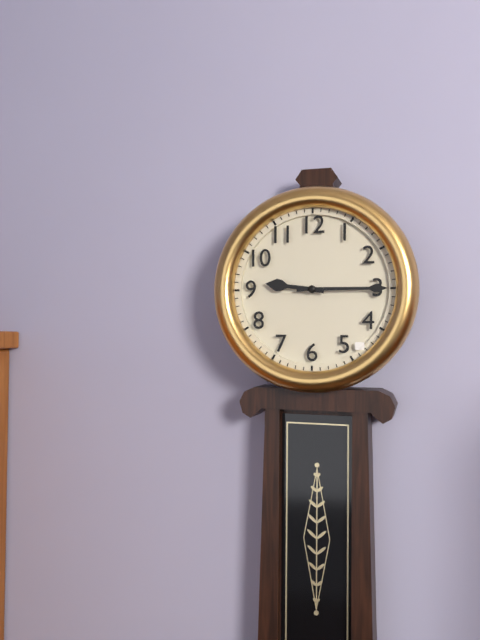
9 h 15 min
